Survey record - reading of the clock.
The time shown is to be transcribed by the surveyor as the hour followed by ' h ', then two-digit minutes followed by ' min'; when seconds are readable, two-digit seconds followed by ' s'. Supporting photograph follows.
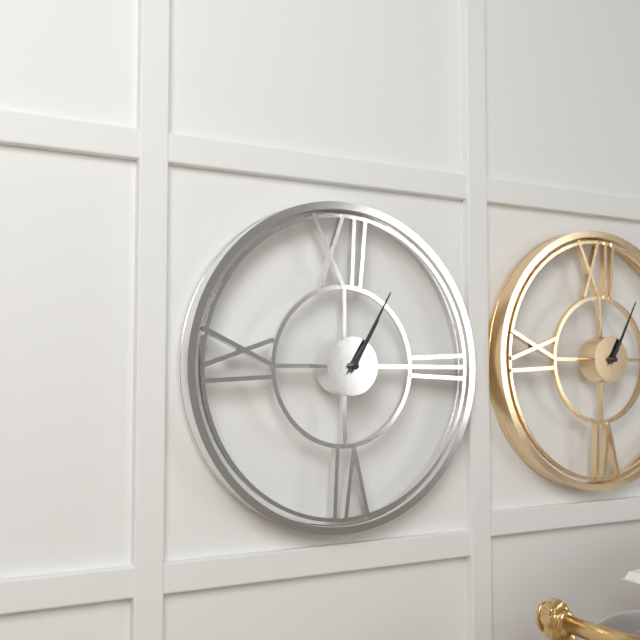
1 h 05 min
